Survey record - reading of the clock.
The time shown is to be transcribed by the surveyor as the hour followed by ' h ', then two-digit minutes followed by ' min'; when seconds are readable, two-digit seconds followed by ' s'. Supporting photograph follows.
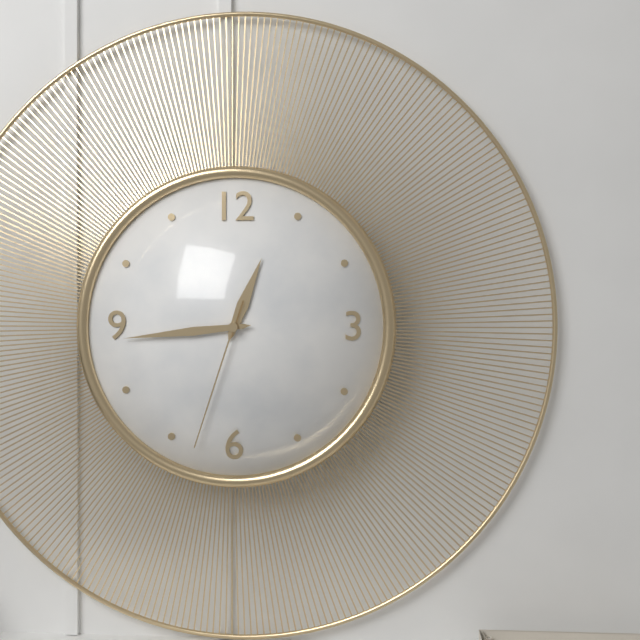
12 h 44 min 33 s
